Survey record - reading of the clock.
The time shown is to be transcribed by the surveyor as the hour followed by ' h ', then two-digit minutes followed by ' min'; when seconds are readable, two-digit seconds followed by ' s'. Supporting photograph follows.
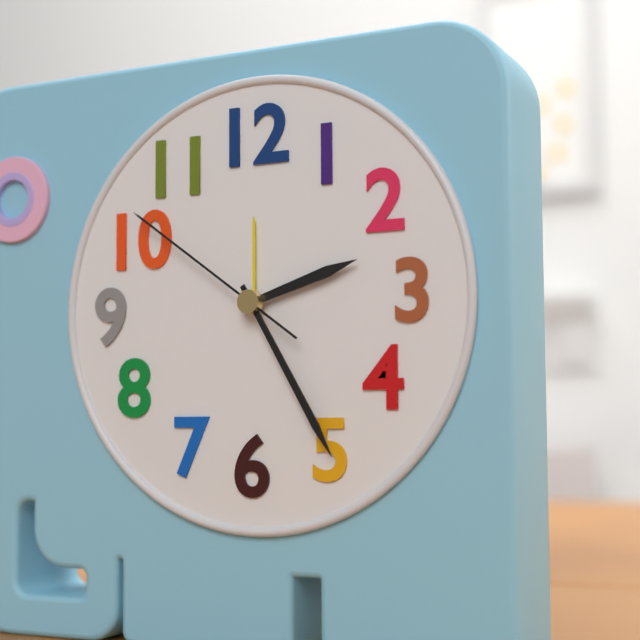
2 h 25 min 51 s
